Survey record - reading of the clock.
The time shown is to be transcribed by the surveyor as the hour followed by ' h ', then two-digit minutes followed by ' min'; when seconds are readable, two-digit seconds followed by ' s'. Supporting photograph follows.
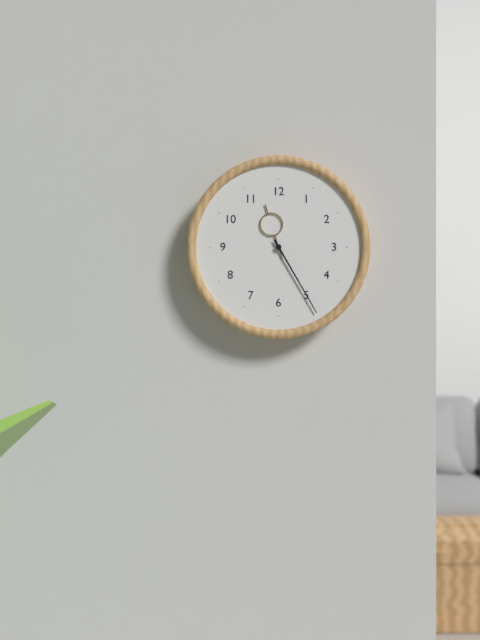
11 h 25 min
